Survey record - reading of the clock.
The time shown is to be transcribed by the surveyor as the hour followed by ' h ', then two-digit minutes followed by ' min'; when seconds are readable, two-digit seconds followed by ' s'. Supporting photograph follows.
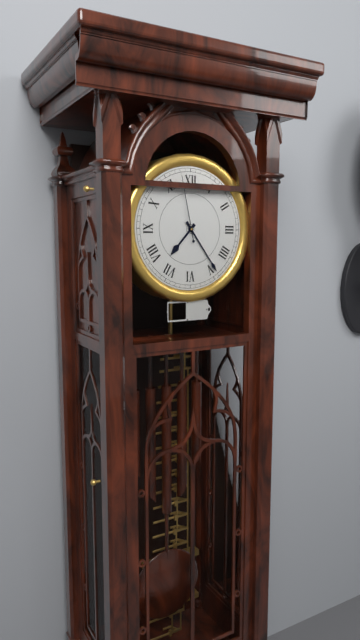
7 h 24 min 58 s
